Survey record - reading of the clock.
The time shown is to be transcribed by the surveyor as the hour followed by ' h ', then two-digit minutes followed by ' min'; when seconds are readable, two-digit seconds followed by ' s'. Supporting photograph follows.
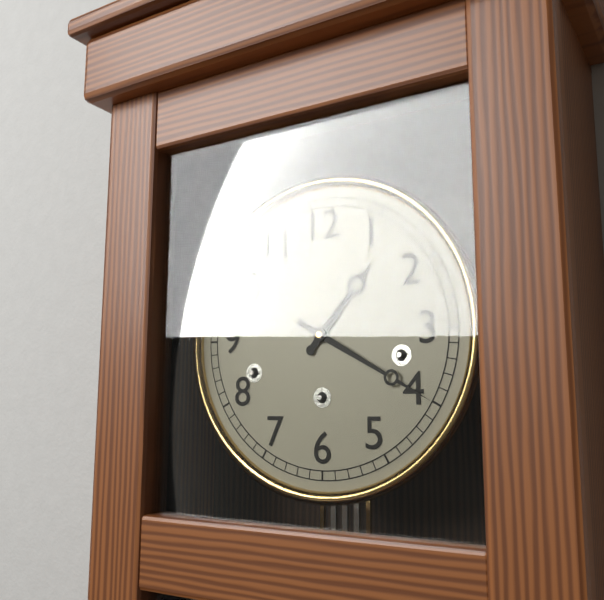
1 h 20 min
